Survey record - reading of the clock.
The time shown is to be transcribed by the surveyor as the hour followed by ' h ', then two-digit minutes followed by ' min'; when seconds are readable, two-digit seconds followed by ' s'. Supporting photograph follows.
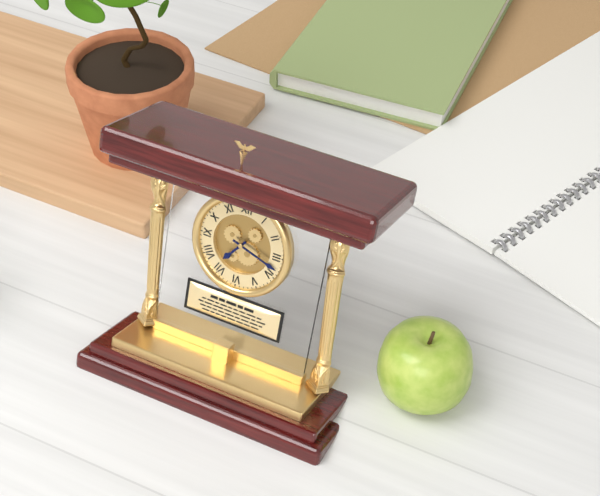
7 h 18 min
